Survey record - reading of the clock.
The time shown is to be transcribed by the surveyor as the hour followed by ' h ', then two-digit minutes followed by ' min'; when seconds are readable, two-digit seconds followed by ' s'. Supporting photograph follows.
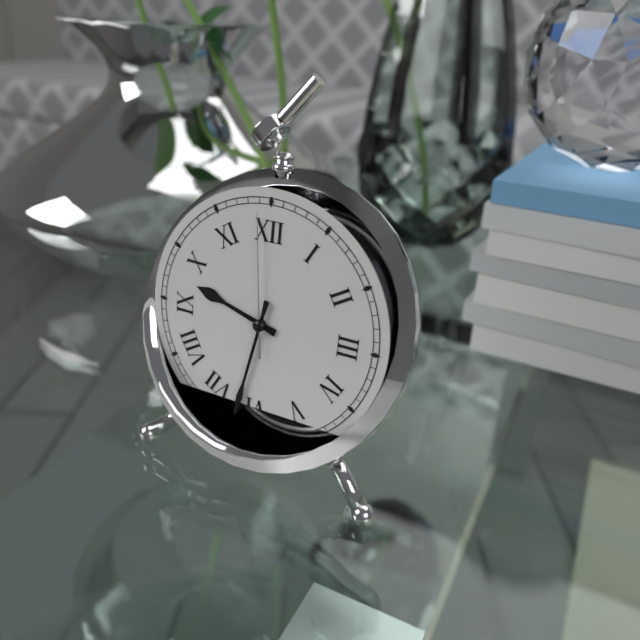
9 h 32 min 59 s
